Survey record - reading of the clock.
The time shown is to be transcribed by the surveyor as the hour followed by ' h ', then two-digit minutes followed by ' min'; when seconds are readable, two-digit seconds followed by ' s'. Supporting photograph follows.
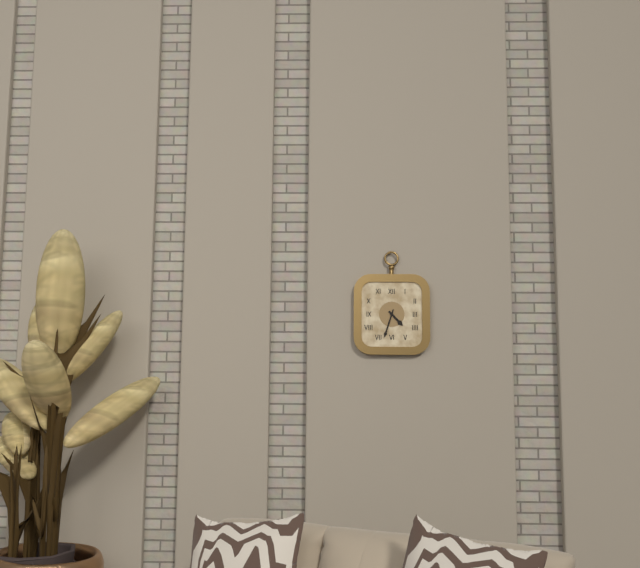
4 h 33 min
